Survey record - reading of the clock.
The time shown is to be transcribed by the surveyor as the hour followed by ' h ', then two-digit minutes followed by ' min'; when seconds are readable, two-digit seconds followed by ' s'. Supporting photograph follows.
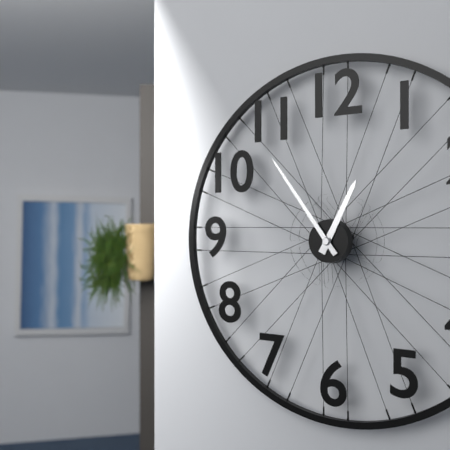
12 h 54 min
